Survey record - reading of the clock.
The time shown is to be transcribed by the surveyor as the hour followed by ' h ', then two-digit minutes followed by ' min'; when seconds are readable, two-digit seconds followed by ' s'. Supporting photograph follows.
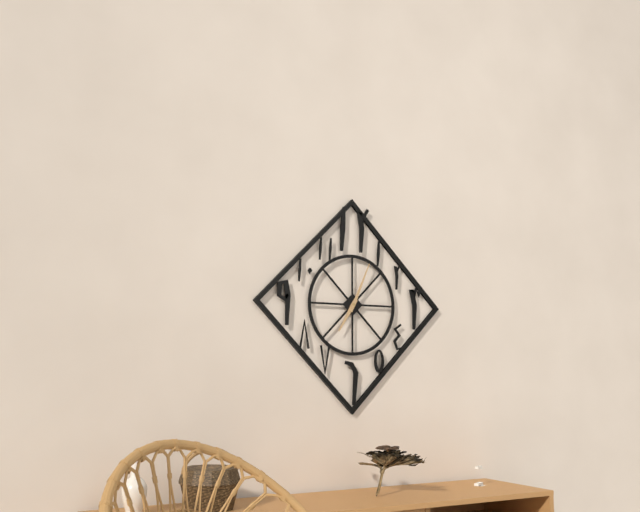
7 h 04 min
